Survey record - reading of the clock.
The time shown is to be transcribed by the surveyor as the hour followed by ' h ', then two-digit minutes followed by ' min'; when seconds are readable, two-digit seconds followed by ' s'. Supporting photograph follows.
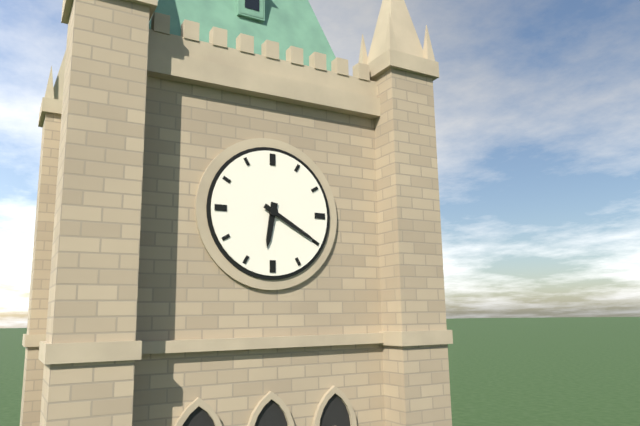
6 h 20 min
